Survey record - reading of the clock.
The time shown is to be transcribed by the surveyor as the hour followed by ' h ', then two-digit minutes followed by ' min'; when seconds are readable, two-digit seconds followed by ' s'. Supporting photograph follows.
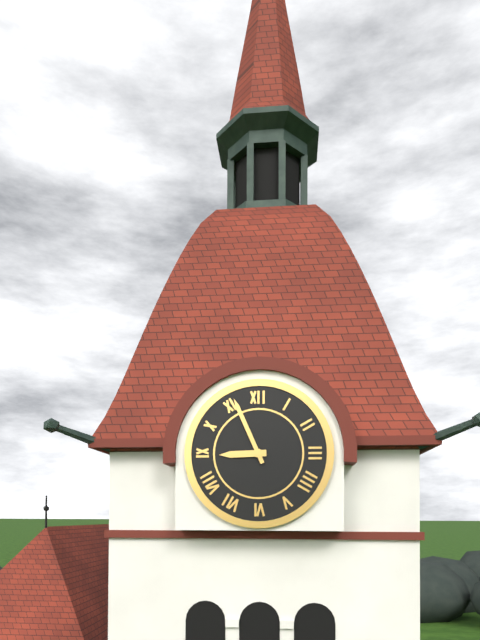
8 h 56 min
